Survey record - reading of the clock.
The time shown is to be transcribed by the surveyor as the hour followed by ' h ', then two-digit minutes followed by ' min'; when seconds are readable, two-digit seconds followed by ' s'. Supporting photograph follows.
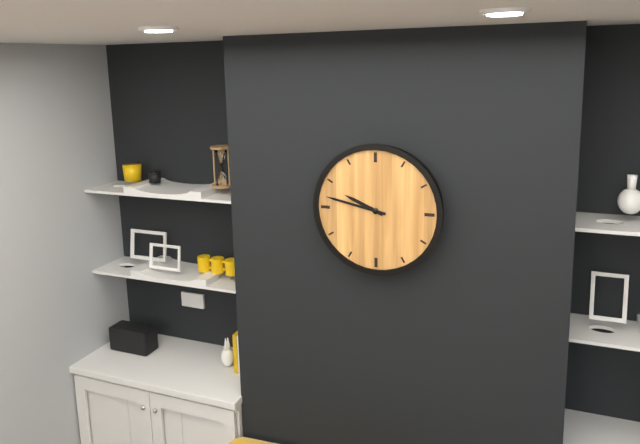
9 h 47 min
